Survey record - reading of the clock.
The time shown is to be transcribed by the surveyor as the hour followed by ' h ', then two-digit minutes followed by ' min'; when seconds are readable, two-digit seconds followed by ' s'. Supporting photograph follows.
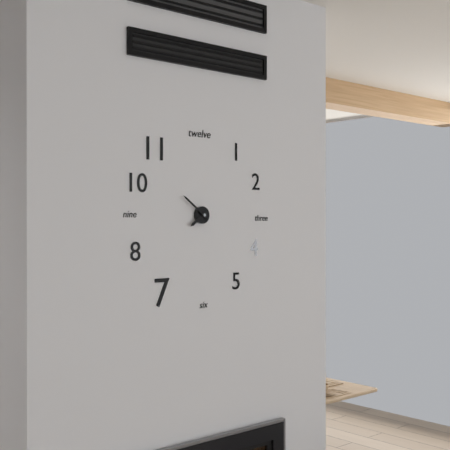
7 h 51 min
